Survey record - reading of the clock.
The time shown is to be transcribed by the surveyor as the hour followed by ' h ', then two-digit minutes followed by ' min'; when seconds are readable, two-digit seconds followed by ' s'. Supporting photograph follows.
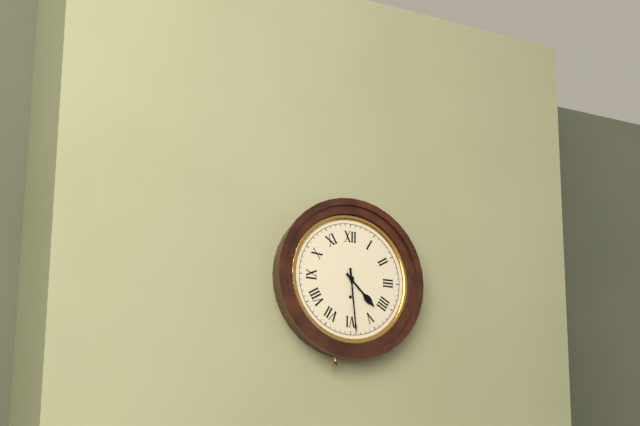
4 h 29 min
